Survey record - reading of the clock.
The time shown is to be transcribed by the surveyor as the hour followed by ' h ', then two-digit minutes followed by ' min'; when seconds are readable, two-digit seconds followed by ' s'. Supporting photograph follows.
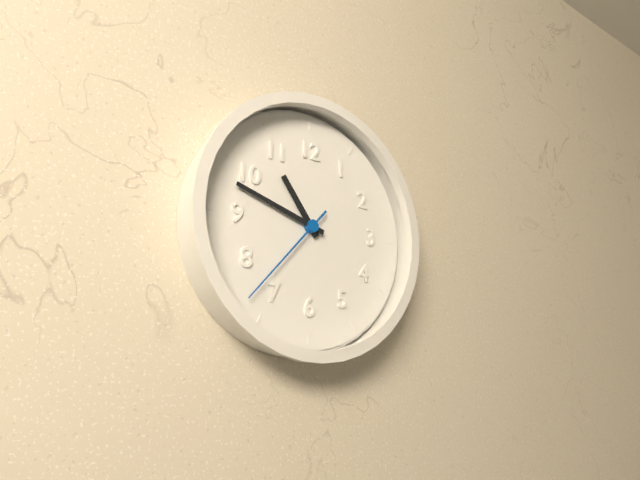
10 h 48 min 37 s
